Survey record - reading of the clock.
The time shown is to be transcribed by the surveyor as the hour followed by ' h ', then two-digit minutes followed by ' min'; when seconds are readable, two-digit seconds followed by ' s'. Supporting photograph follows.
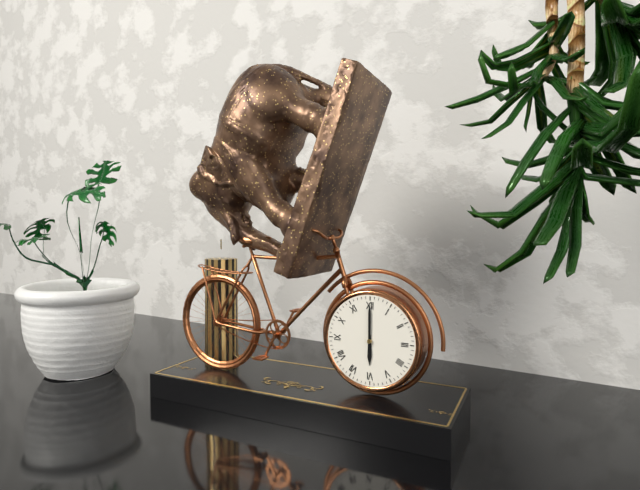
6 h 00 min
